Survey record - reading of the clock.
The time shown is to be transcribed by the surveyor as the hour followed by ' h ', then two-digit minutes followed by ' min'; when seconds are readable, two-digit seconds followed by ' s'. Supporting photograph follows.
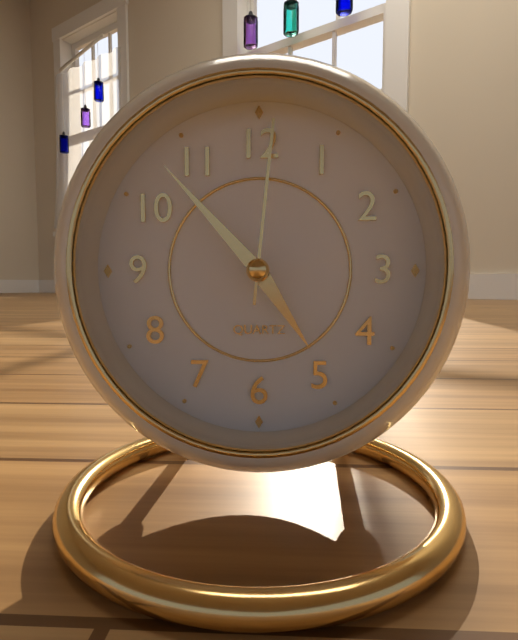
4 h 53 min 01 s
